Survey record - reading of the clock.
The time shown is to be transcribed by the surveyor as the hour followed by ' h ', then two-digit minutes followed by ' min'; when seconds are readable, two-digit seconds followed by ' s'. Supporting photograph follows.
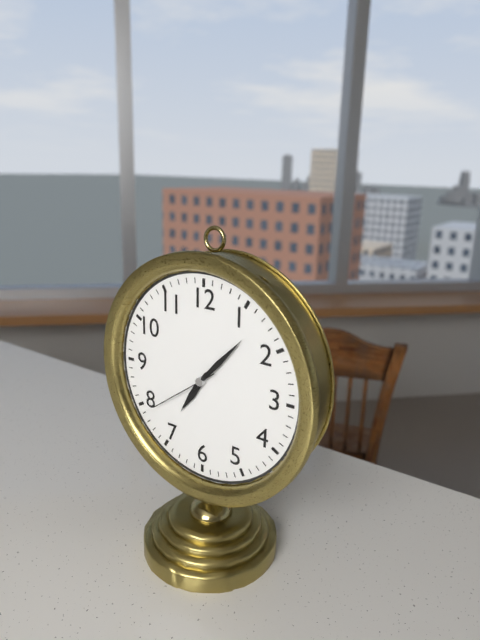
7 h 07 min 39 s
